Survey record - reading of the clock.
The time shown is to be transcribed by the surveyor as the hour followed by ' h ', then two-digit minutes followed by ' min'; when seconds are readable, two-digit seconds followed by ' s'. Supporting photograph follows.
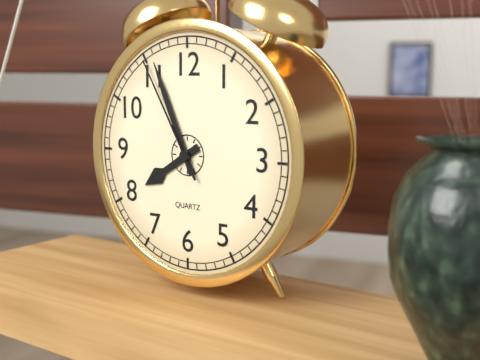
7 h 56 min 55 s
